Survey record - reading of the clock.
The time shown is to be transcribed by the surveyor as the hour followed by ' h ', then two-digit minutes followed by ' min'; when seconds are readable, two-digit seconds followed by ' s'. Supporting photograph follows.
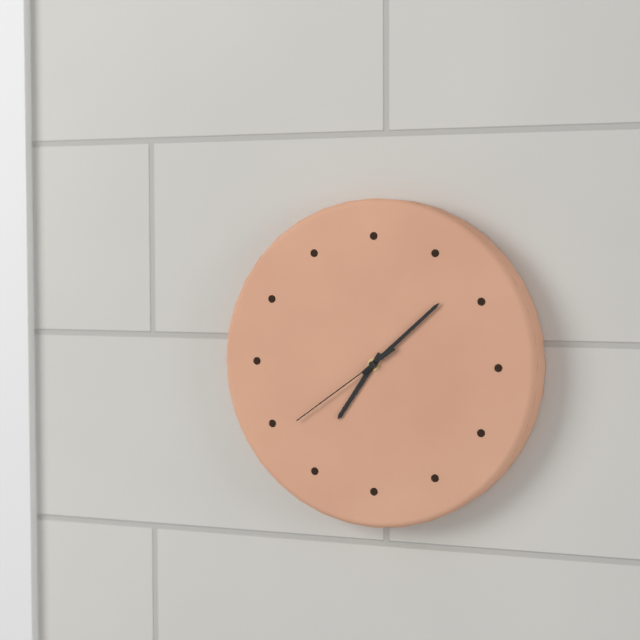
7 h 08 min 39 s
